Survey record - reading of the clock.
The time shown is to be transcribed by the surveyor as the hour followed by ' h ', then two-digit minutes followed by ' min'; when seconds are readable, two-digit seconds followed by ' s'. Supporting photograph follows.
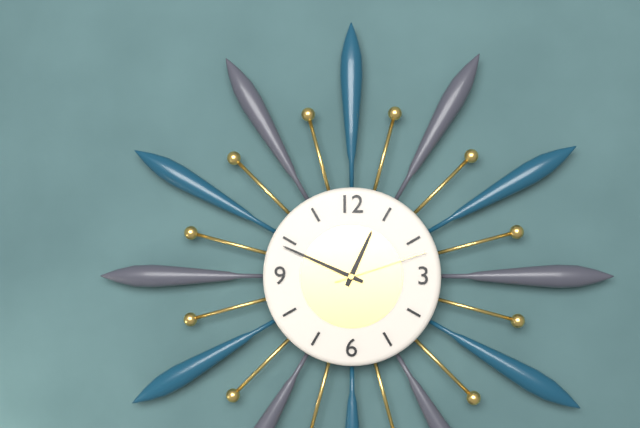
12 h 49 min 12 s
